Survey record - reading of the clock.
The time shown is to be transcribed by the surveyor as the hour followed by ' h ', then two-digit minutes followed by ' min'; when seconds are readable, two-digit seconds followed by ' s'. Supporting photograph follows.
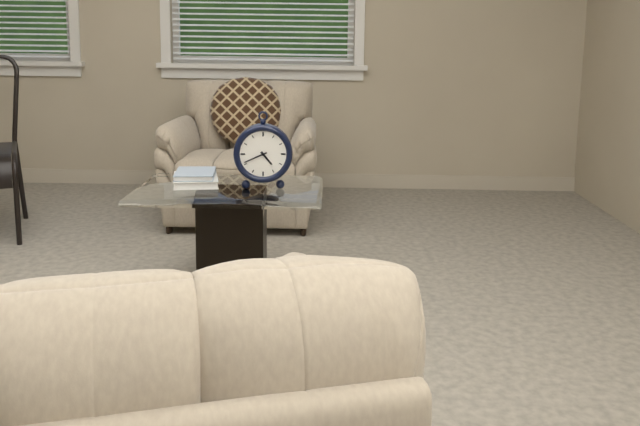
4 h 41 min
